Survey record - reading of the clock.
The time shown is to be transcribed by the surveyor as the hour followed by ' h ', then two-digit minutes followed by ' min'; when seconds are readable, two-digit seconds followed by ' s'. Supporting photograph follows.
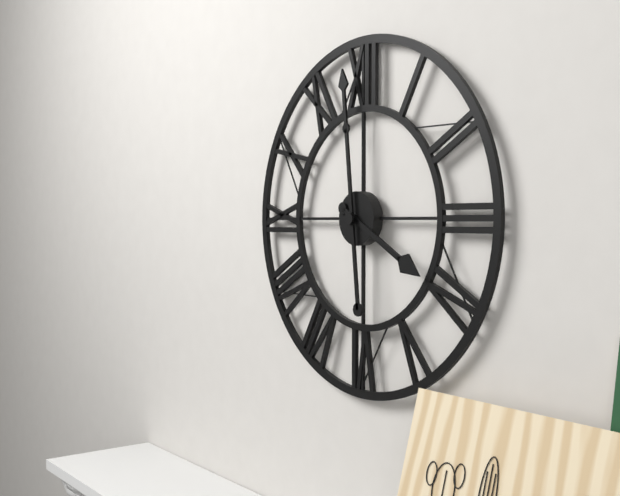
3 h 59 min
